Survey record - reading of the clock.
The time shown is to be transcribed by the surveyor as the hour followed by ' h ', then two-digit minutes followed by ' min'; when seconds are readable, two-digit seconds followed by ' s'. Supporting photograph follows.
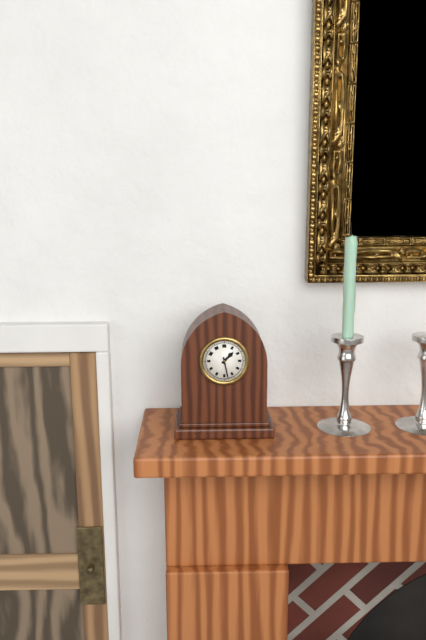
1 h 28 min
